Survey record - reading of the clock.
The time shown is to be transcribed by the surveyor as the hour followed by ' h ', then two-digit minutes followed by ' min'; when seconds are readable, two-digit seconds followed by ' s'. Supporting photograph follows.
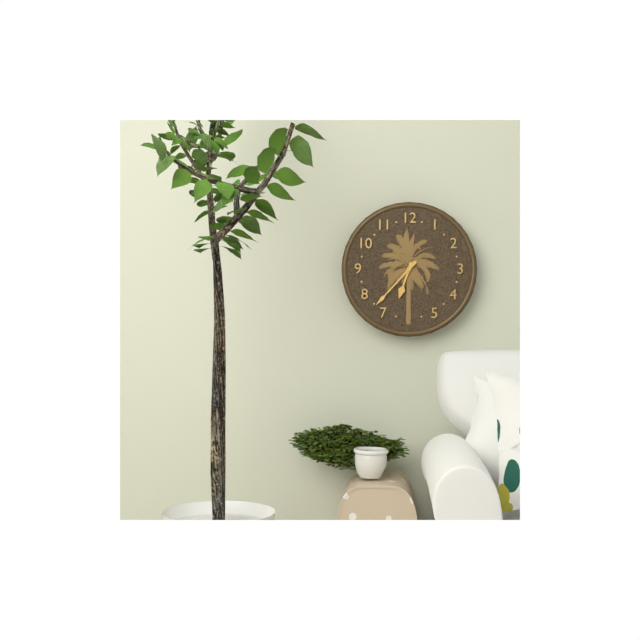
6 h 37 min
